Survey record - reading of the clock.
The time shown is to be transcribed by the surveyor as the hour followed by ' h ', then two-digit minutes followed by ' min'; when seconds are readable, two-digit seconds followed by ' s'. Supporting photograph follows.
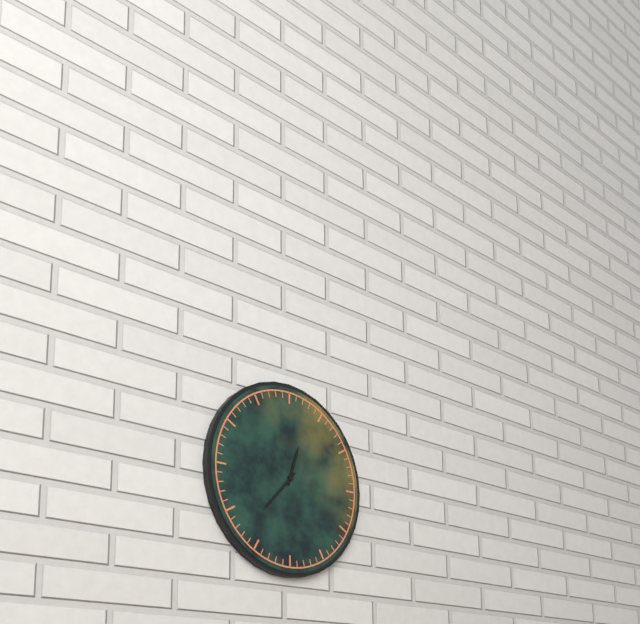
12 h 37 min
